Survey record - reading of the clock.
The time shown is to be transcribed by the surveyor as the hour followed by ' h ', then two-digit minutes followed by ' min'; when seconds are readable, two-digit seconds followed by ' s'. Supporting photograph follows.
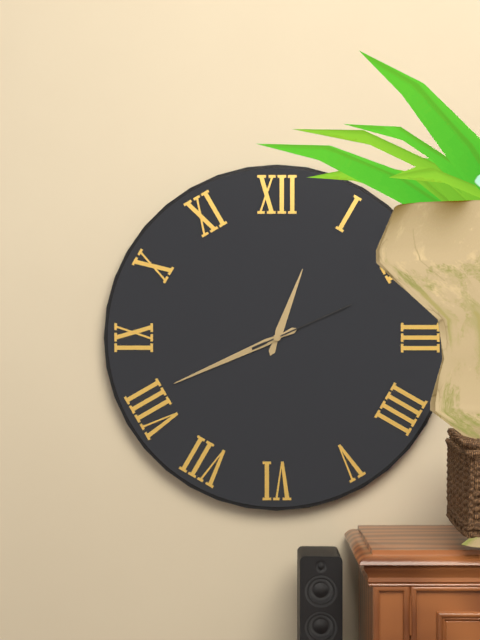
12 h 41 min 11 s
